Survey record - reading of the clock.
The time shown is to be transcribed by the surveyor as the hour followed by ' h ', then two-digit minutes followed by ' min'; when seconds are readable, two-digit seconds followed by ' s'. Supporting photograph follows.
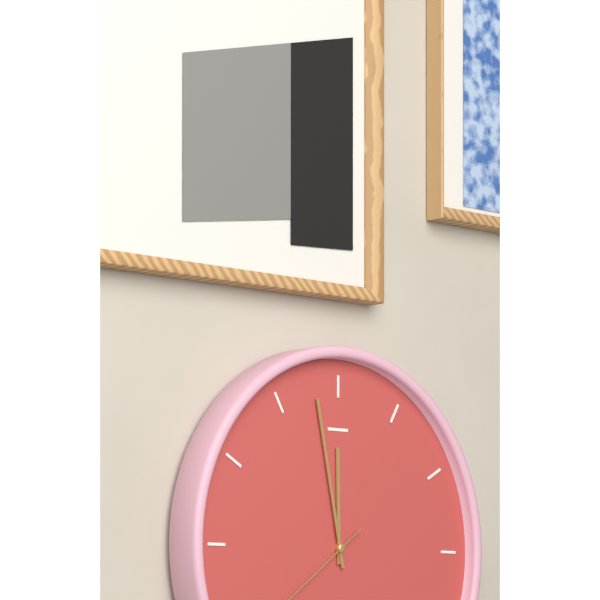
11 h 58 min
